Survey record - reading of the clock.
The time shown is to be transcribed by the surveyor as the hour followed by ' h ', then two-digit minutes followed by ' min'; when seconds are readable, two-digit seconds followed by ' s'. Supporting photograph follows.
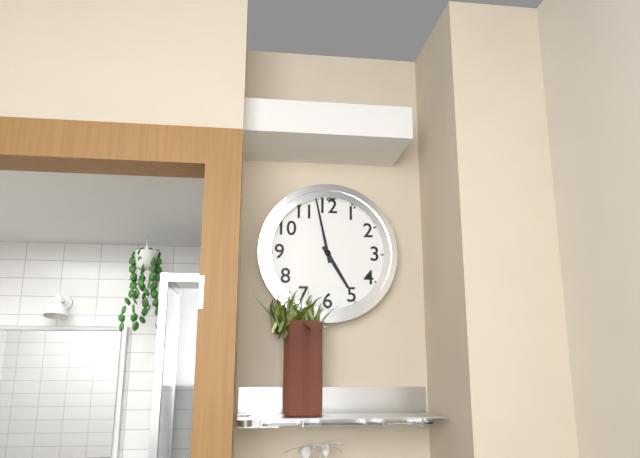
4 h 58 min
